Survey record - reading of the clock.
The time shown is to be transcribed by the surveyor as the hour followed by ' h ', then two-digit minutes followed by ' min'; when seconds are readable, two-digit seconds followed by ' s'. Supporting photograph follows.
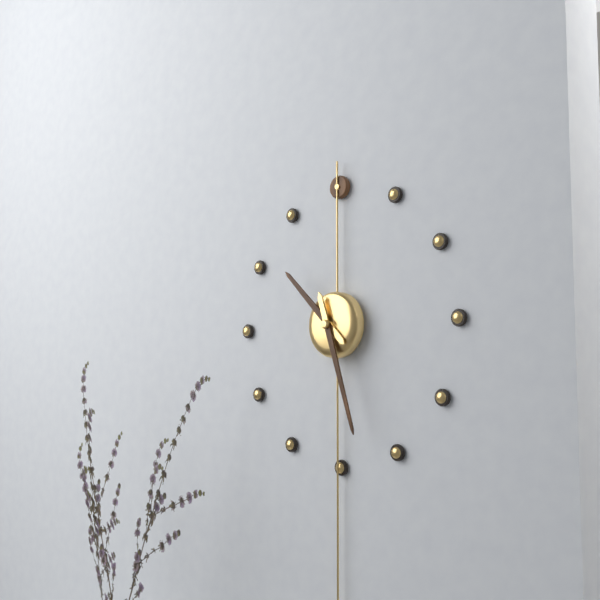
10 h 27 min
